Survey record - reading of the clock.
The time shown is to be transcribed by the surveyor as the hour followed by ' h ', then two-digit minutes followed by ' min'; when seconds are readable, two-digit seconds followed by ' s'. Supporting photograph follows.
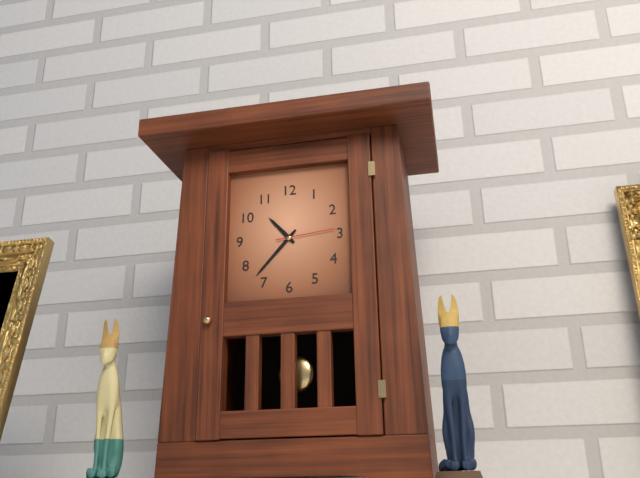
10 h 37 min 14 s
